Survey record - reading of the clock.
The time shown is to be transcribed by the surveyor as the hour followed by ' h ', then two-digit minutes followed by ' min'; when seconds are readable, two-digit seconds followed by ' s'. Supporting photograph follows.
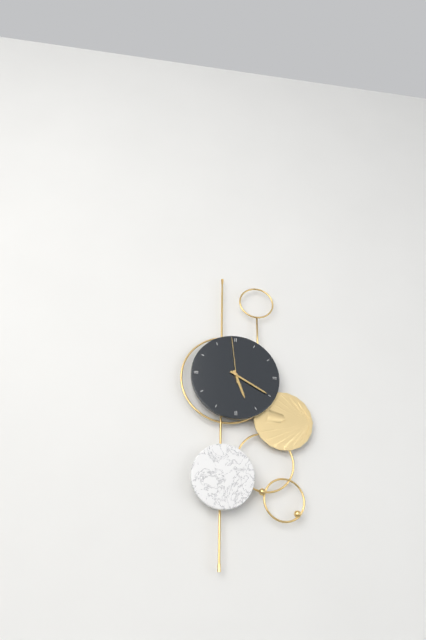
5 h 20 min
